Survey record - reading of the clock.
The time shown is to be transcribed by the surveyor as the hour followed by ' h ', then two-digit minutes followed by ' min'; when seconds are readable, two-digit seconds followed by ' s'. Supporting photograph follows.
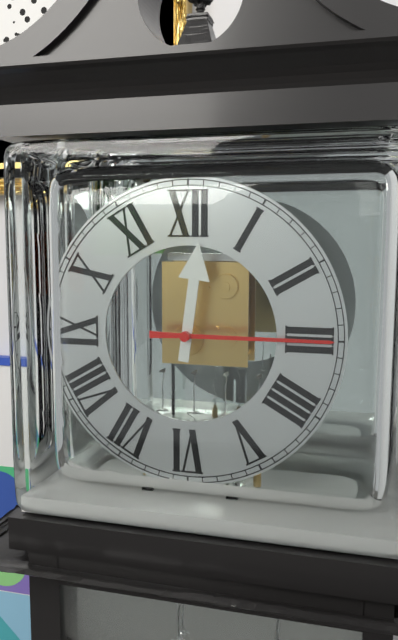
12 h 15 min
